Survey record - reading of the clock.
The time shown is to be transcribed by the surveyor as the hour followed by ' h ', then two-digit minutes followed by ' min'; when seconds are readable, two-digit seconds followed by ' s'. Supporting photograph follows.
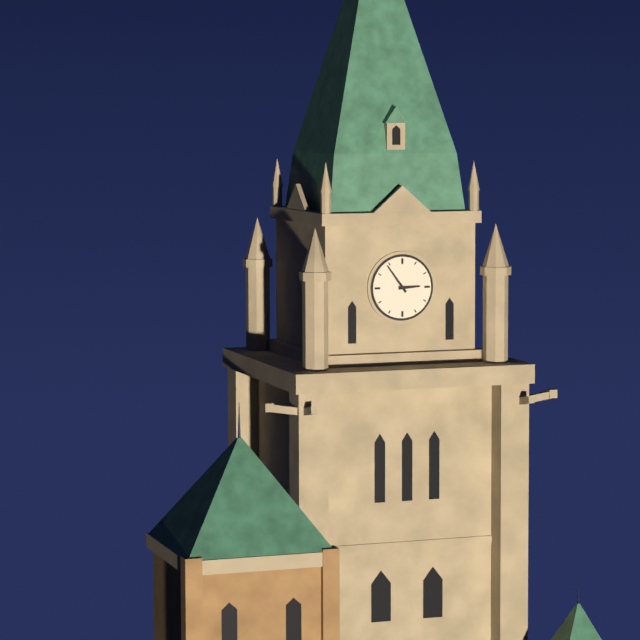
2 h 54 min
